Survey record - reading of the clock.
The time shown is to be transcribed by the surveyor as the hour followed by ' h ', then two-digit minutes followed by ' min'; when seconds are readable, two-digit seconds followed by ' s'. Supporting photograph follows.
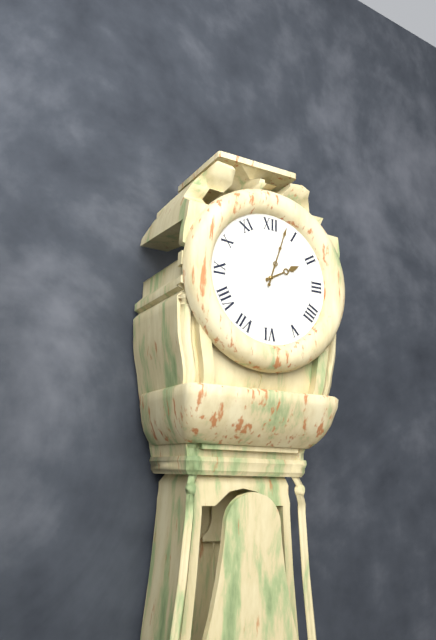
2 h 03 min
